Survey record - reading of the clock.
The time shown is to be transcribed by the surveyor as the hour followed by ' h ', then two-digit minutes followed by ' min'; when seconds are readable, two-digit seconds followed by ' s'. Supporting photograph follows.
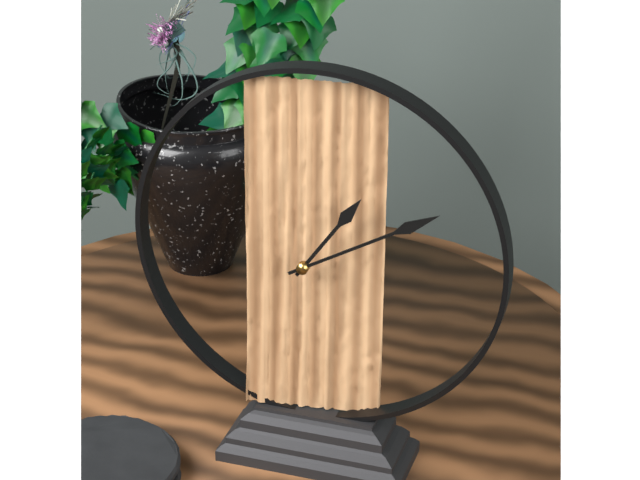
1 h 10 min
